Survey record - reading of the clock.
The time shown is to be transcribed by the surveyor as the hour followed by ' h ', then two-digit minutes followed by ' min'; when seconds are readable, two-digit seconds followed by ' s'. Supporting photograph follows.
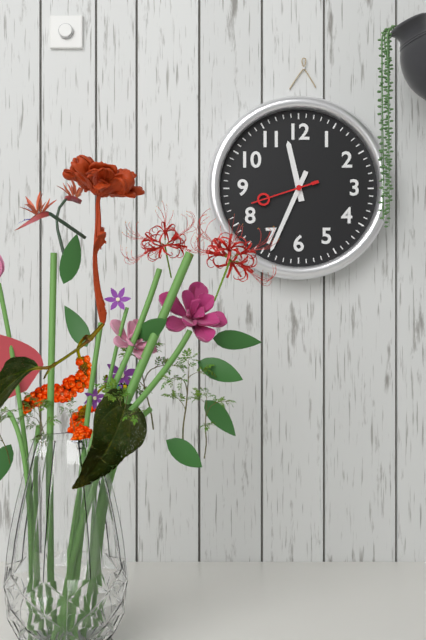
11 h 34 min 42 s
